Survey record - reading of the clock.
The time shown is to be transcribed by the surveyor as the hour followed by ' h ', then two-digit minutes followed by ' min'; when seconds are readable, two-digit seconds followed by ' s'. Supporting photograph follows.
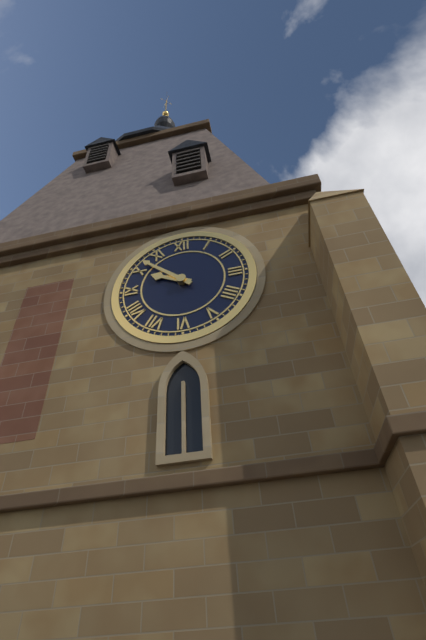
9 h 52 min
